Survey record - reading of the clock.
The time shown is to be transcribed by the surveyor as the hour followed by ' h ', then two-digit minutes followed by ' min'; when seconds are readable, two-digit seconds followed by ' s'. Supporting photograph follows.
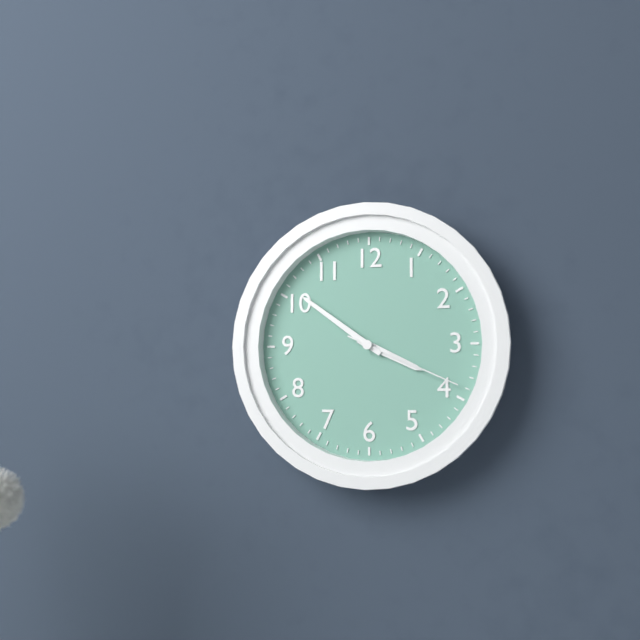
3 h 51 min 19 s
